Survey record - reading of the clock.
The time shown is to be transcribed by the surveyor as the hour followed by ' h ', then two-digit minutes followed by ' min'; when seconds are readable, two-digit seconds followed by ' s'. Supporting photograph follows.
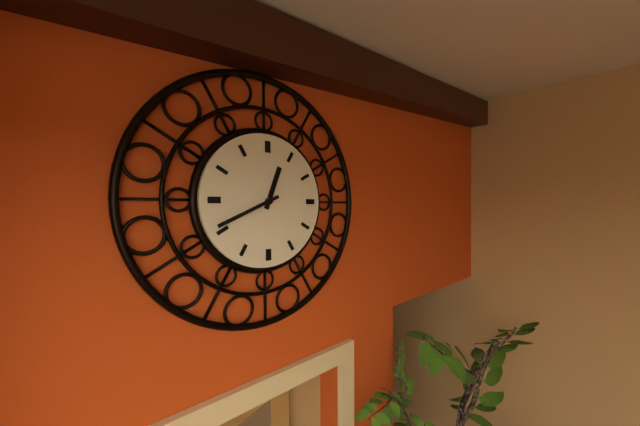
12 h 41 min
